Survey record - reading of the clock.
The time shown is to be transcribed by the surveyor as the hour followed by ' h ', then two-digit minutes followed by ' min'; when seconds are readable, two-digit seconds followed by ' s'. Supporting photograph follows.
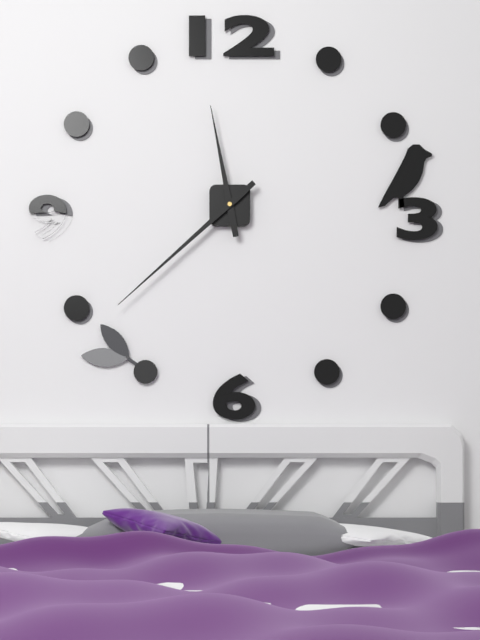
11 h 38 min
